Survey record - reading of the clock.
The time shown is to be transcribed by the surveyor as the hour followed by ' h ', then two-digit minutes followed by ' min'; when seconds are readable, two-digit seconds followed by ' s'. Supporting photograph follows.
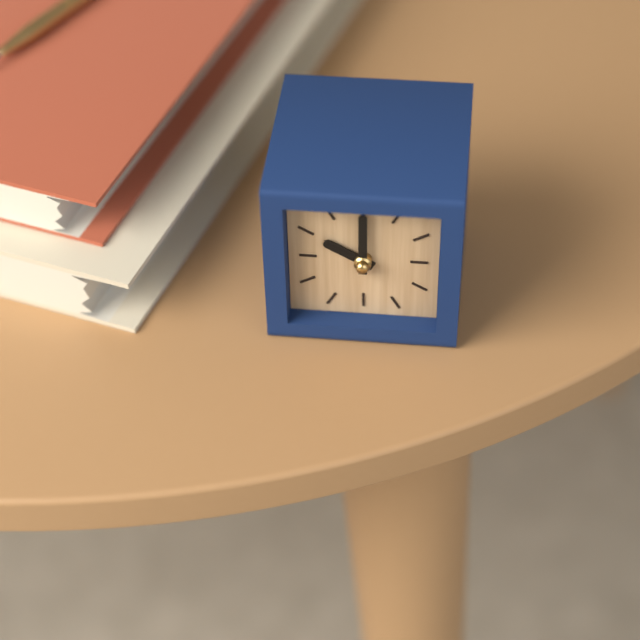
10 h 00 min
